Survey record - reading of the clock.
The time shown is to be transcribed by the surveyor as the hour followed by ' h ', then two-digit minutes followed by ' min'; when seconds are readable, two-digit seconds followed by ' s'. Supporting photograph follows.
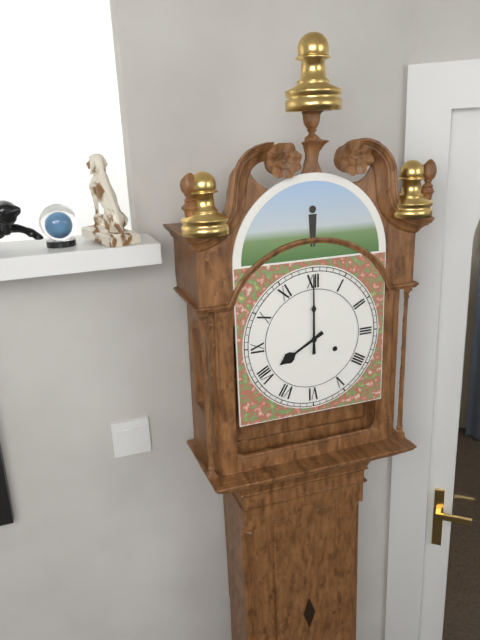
8 h 00 min
